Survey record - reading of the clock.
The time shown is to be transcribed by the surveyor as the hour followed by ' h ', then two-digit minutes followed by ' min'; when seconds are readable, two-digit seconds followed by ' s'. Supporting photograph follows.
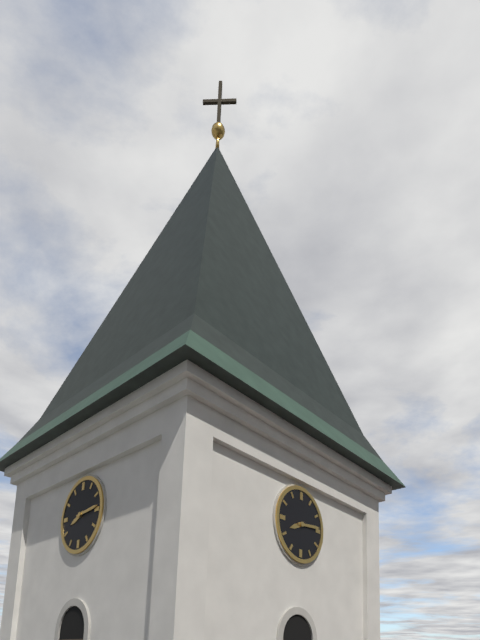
8 h 14 min
